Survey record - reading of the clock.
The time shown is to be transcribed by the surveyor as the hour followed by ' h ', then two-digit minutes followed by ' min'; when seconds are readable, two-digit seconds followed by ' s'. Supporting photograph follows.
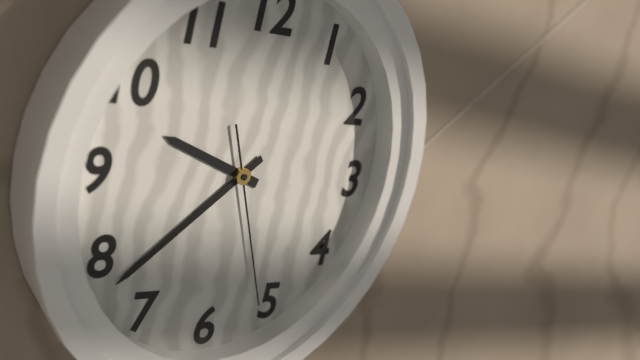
9 h 38 min 26 s
